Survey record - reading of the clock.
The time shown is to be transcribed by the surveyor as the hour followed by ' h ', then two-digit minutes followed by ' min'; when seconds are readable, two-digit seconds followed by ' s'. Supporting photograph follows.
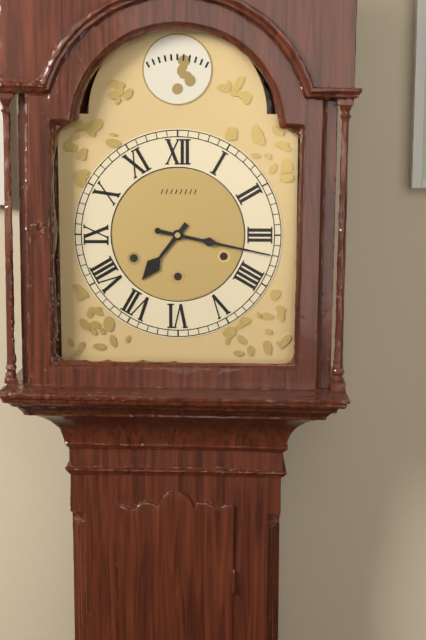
7 h 17 min
